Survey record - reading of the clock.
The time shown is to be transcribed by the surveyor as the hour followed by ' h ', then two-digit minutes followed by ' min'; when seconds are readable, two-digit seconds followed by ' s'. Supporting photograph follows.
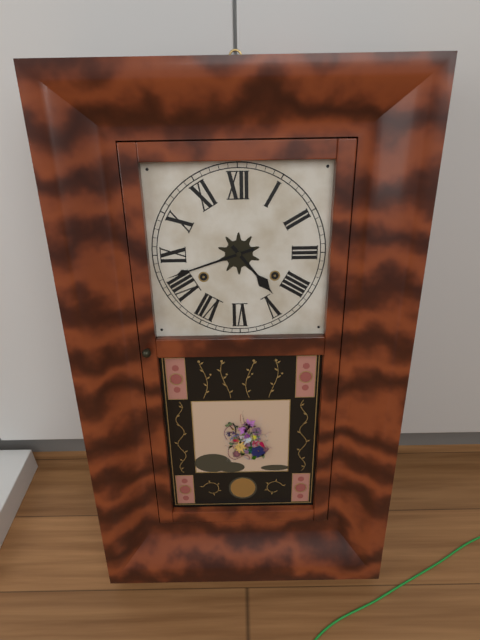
4 h 42 min
